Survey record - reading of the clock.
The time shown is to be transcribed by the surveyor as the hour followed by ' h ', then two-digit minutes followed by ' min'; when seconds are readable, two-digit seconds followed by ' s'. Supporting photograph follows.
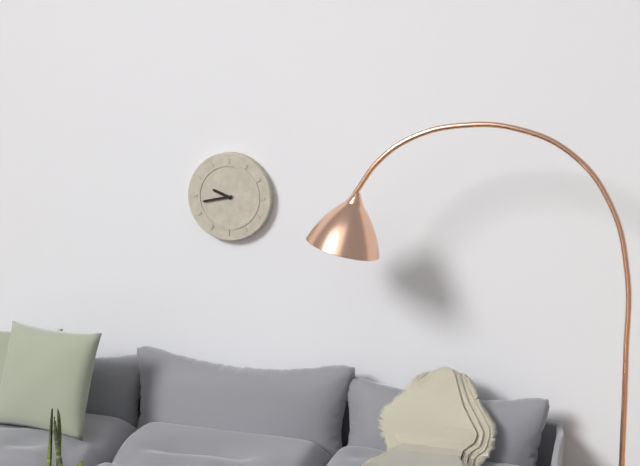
9 h 43 min
